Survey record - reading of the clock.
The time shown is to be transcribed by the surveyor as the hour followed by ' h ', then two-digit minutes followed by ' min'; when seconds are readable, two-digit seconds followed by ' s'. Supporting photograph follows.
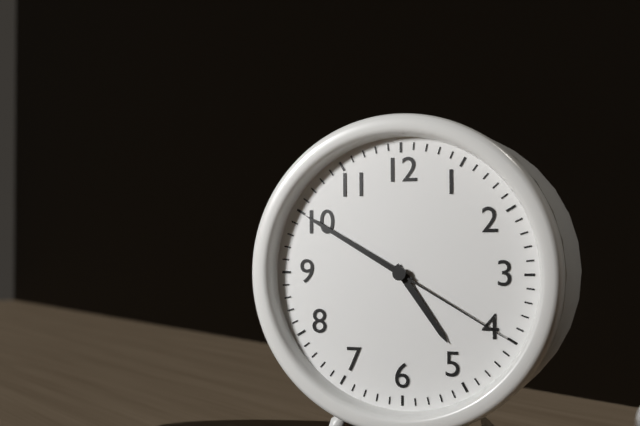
4 h 50 min 20 s
